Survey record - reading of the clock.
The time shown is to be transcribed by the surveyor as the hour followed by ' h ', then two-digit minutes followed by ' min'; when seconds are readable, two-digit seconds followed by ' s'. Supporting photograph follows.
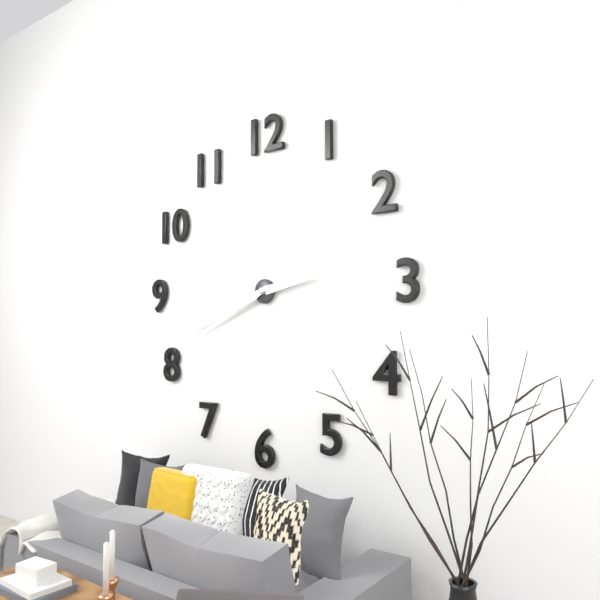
2 h 41 min
